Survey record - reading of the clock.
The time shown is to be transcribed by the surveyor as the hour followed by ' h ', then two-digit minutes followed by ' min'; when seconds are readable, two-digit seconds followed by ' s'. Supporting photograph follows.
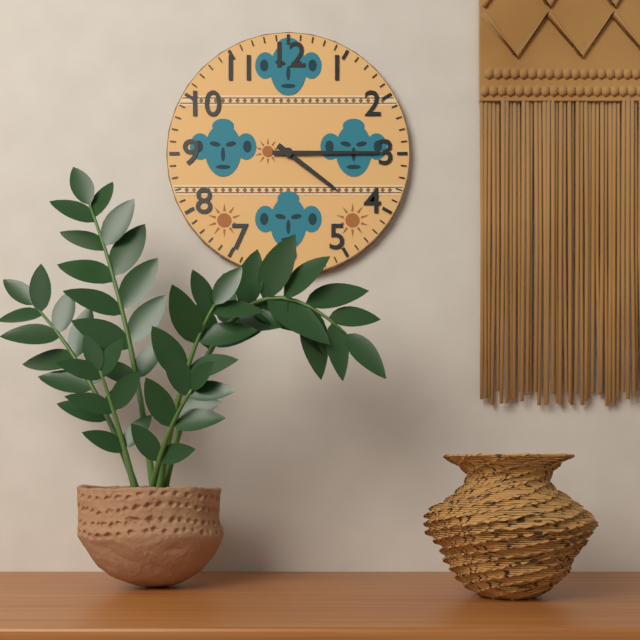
4 h 15 min
